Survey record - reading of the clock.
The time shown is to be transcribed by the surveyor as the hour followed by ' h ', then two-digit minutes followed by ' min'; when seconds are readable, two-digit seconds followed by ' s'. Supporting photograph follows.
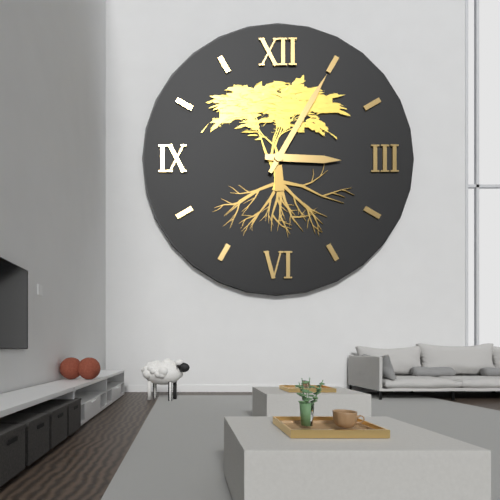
3 h 05 min
